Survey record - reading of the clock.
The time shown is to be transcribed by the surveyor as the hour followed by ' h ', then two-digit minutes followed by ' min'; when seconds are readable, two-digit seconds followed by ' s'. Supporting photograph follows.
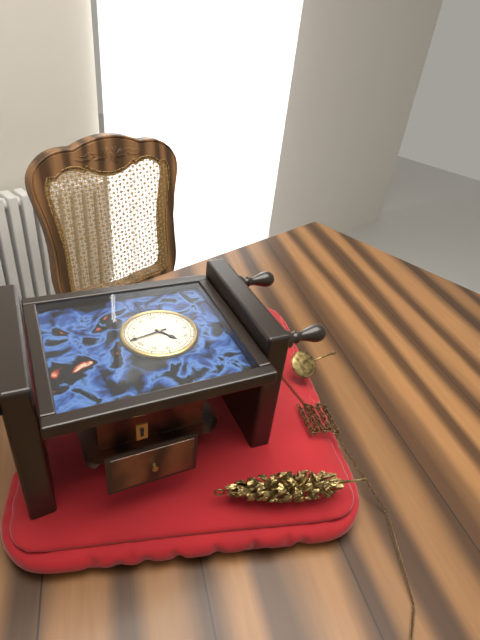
4 h 43 min
